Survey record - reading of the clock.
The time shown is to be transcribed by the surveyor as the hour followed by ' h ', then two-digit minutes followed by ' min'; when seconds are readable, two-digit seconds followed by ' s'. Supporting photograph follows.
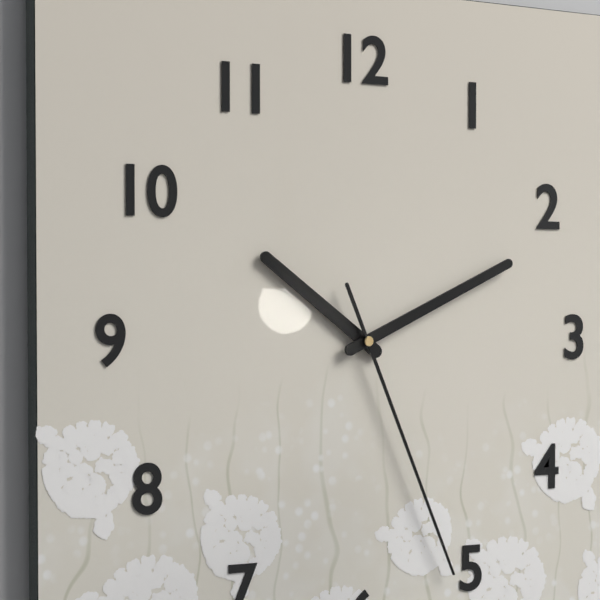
10 h 11 min 26 s
